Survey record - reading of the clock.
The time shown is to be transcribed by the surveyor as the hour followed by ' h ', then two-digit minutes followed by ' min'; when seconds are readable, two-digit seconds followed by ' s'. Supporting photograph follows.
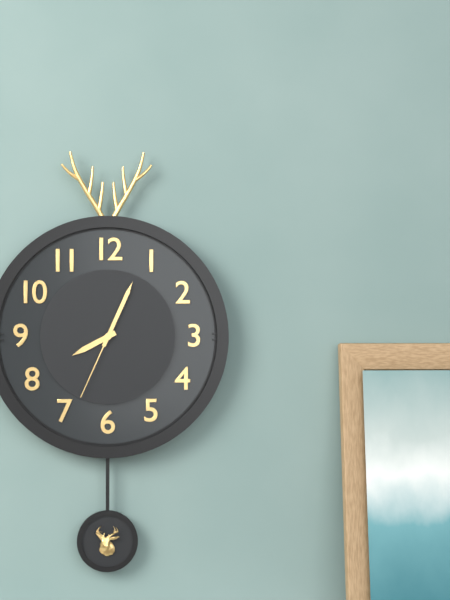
8 h 04 min 34 s
